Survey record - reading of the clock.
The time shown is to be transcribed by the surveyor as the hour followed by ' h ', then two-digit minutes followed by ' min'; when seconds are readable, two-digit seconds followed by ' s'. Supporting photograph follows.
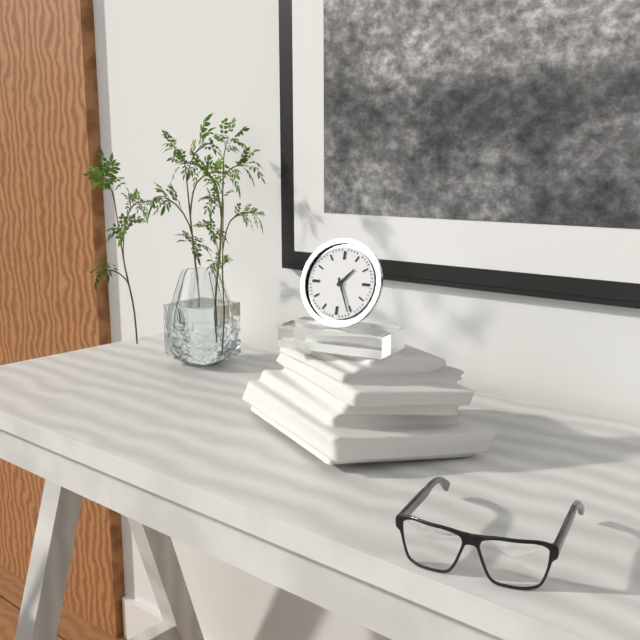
1 h 26 min
